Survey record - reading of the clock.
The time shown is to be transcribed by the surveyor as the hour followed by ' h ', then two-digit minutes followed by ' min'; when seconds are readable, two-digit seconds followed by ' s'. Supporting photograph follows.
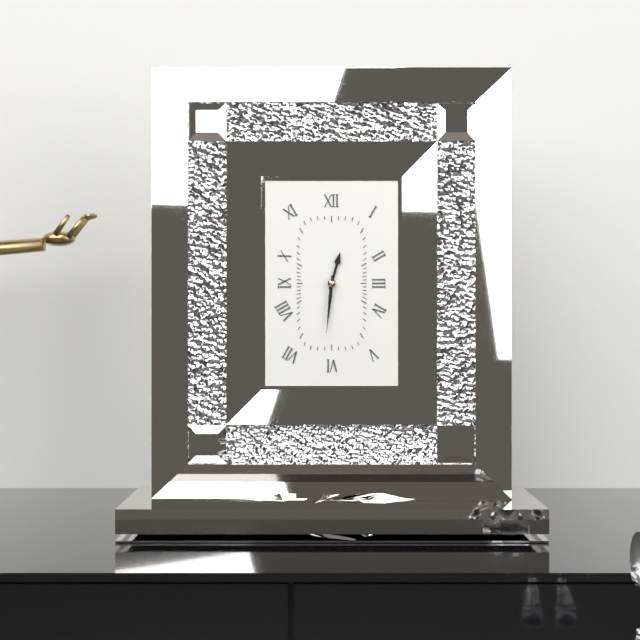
12 h 31 min
